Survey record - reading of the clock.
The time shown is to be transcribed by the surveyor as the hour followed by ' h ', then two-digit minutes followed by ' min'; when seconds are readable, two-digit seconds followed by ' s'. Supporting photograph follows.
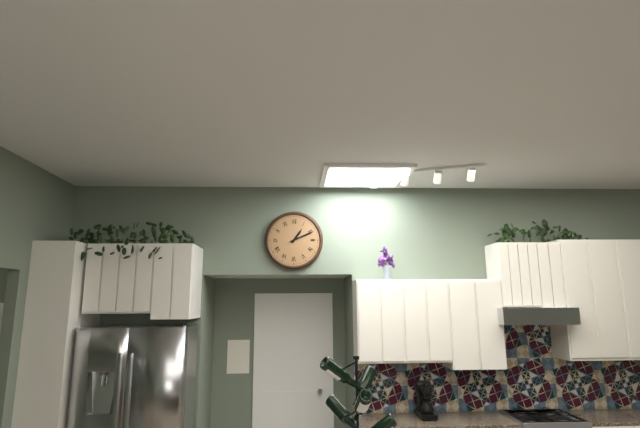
1 h 11 min
